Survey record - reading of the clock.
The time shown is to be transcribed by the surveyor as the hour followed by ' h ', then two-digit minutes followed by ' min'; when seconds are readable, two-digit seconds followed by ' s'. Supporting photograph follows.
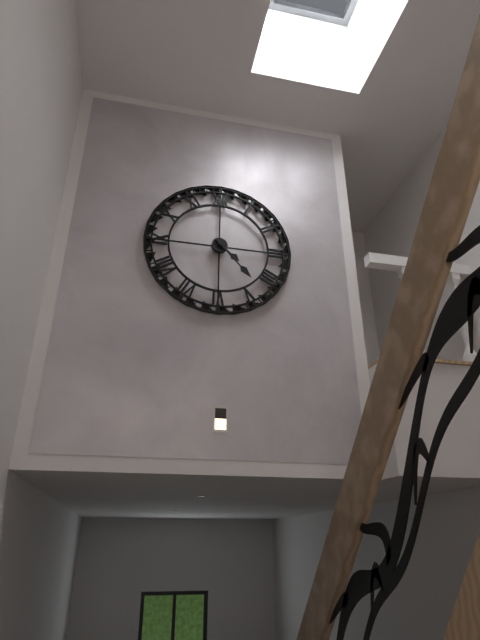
4 h 23 min
